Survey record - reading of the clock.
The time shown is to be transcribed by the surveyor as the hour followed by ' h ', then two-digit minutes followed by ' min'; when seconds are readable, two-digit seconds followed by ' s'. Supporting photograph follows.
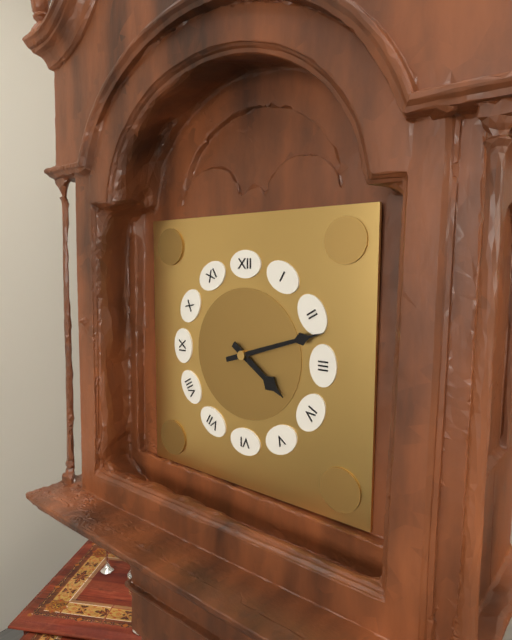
4 h 12 min
